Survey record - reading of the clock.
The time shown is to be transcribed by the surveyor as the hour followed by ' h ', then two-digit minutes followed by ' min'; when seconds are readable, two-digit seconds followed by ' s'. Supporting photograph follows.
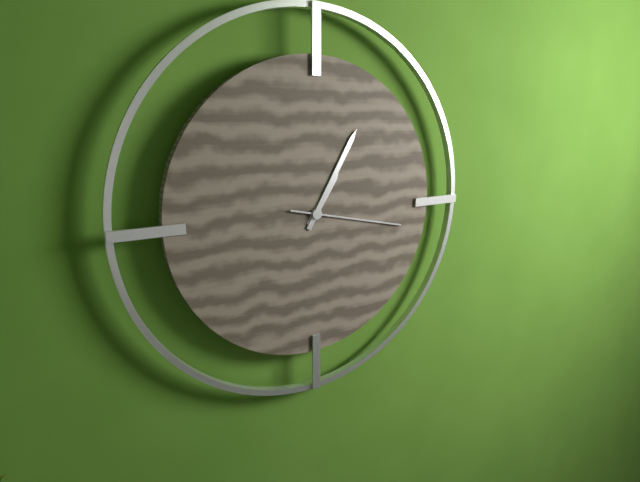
1 h 05 min 17 s
